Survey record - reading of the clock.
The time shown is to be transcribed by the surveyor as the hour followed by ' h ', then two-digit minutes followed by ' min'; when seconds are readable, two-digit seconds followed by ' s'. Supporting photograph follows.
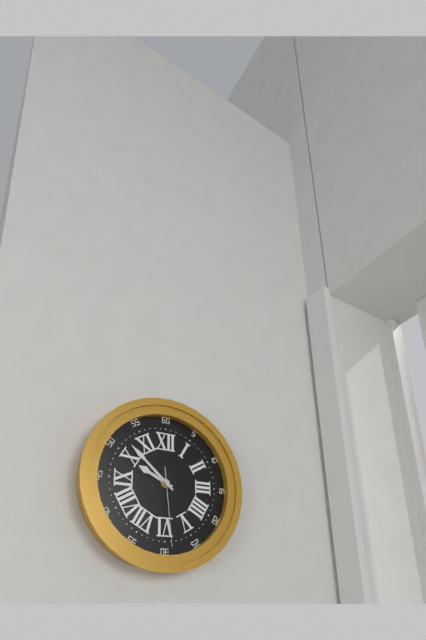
9 h 52 min 29 s
